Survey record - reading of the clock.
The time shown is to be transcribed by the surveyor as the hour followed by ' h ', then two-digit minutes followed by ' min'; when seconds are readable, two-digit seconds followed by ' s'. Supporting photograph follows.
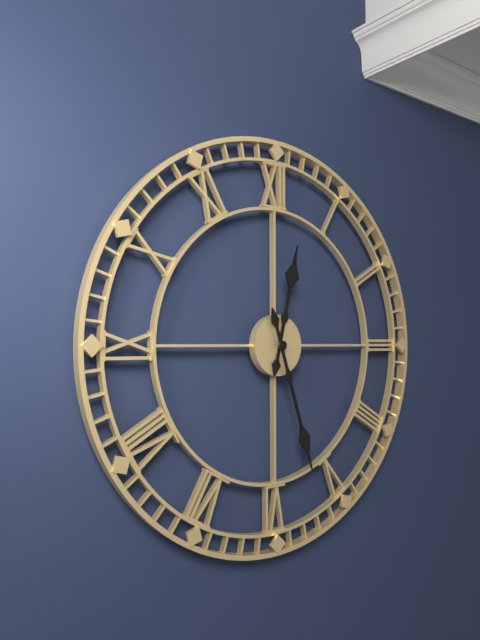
12 h 27 min
